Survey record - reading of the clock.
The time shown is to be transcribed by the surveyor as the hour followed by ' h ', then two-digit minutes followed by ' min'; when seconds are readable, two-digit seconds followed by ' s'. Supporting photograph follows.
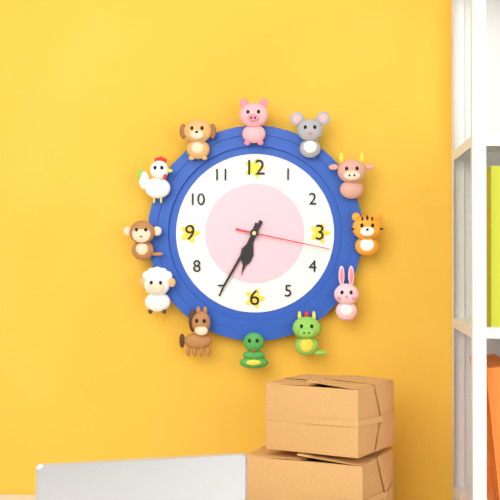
6 h 35 min 17 s
